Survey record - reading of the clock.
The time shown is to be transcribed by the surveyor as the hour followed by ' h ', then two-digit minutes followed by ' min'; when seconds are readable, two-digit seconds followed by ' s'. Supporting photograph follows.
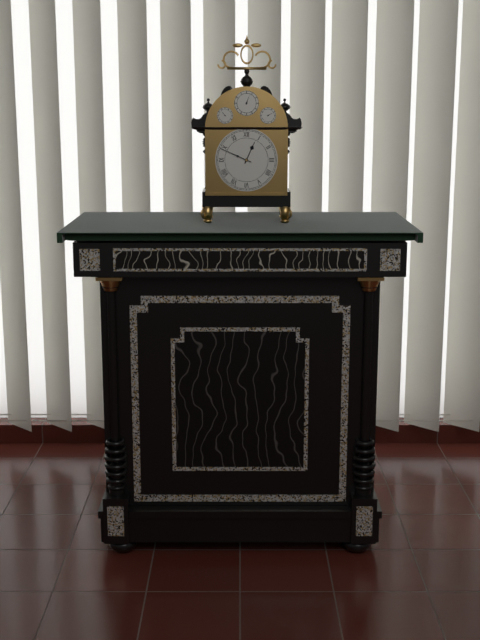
12 h 49 min
